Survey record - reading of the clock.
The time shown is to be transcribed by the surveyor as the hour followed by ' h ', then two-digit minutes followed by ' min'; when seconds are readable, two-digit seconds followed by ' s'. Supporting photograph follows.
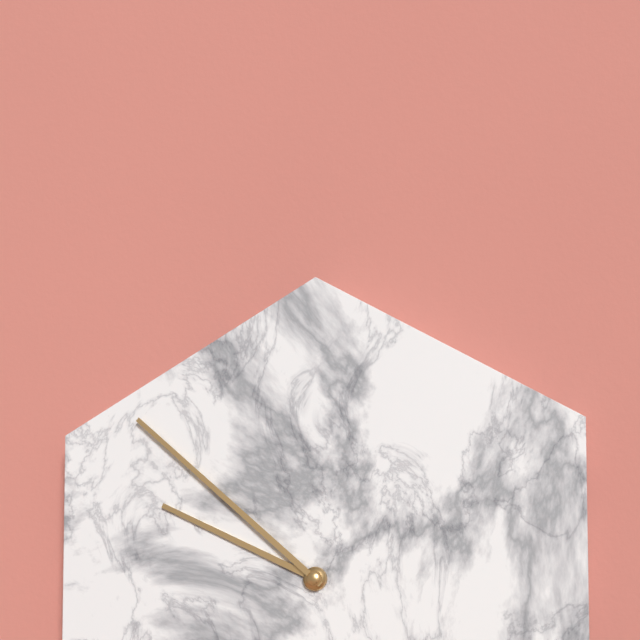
9 h 52 min
